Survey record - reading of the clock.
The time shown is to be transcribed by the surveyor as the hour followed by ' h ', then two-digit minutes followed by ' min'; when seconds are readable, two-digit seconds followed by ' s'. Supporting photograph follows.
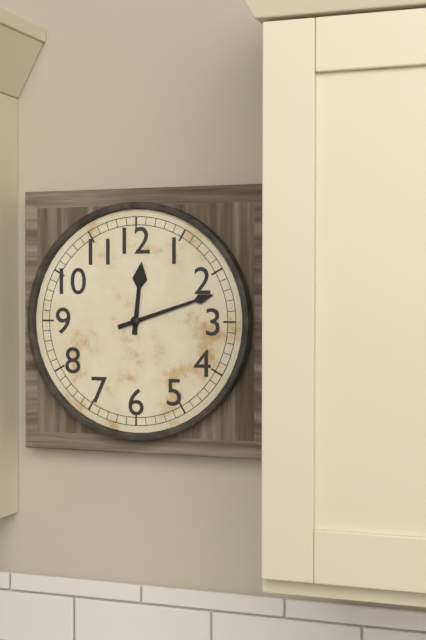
12 h 12 min
